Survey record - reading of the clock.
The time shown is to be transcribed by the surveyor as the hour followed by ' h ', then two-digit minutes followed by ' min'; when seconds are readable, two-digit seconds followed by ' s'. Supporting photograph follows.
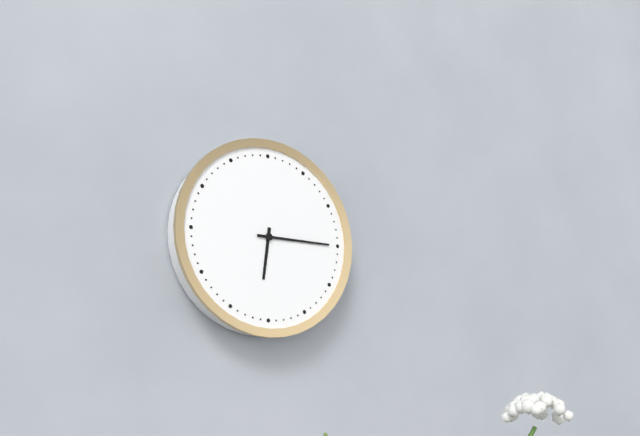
6 h 15 min
